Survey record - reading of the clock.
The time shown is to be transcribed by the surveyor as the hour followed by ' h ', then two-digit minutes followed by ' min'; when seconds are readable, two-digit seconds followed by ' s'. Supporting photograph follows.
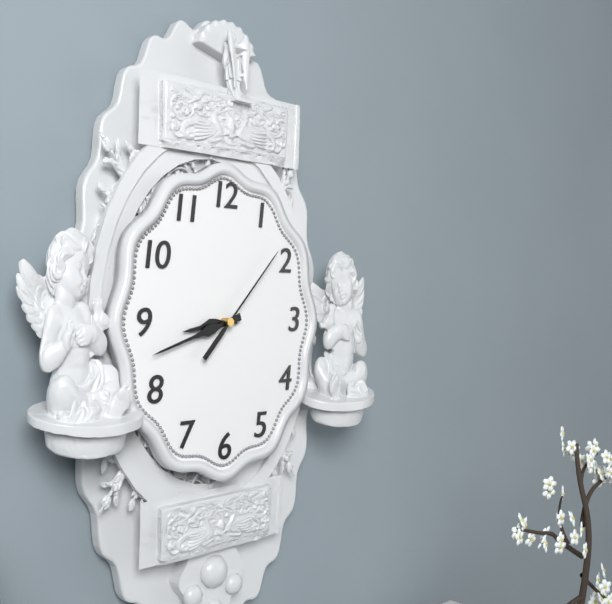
8 h 42 min 07 s
